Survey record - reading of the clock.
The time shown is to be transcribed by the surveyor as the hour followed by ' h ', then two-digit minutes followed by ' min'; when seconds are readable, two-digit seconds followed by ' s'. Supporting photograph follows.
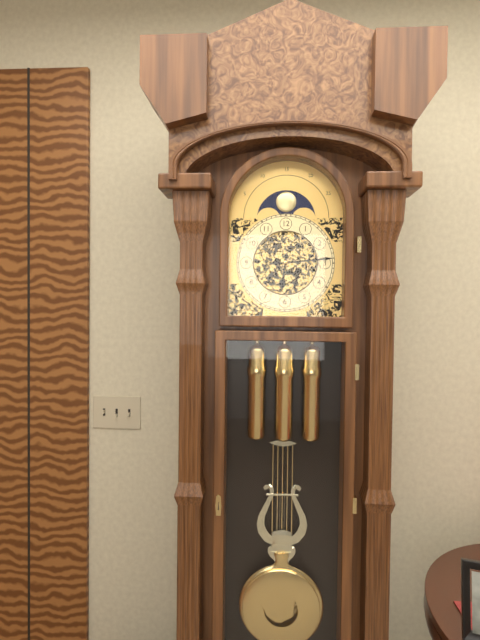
6 h 14 min
